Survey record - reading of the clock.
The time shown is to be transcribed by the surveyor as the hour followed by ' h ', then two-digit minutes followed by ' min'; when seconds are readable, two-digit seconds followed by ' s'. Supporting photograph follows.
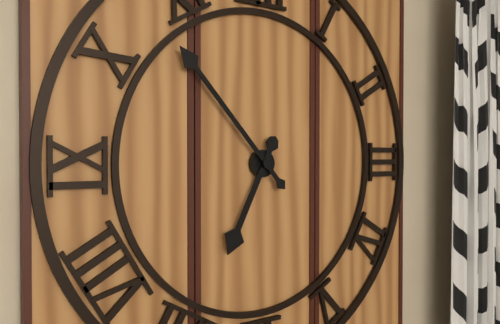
6 h 53 min
